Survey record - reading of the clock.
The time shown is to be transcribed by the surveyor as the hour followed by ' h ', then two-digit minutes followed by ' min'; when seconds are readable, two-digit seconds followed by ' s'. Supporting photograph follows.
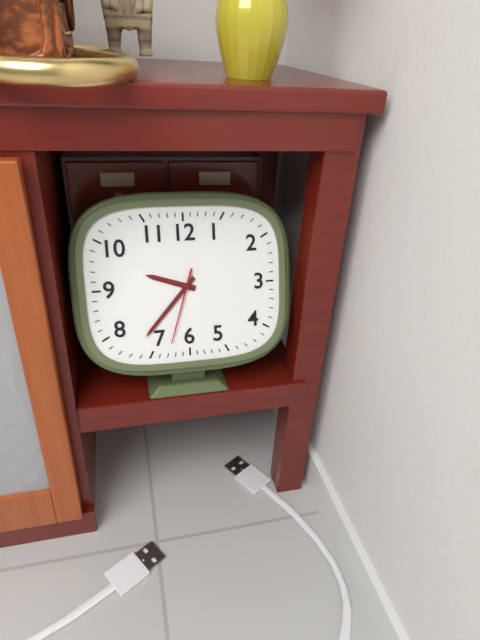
9 h 37 min 33 s
